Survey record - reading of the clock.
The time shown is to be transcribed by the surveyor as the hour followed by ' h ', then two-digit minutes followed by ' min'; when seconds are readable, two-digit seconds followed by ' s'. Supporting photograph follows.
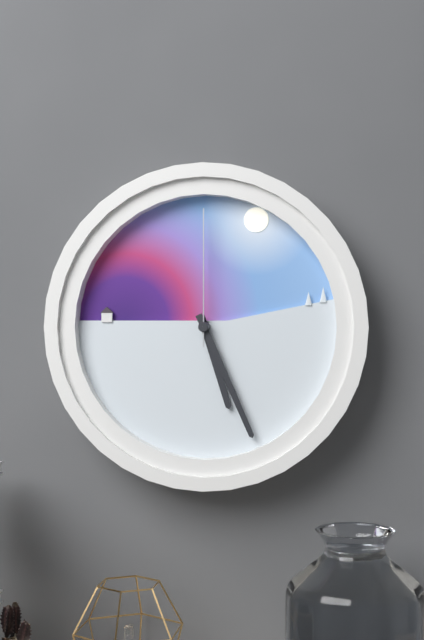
5 h 26 min 00 s
